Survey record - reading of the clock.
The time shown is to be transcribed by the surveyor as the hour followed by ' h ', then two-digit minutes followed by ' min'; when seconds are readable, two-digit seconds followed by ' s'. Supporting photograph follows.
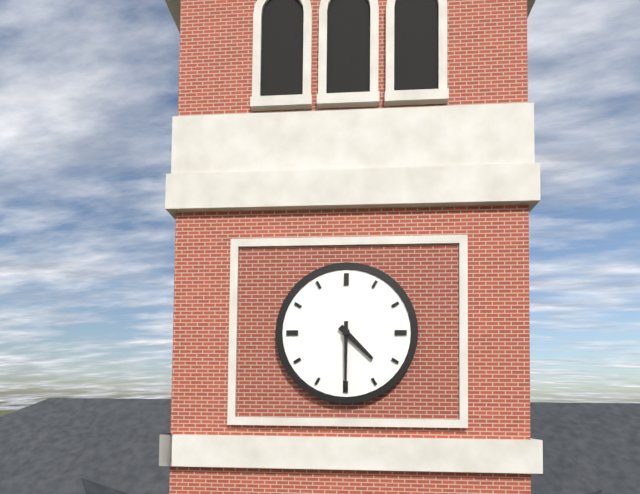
4 h 30 min
